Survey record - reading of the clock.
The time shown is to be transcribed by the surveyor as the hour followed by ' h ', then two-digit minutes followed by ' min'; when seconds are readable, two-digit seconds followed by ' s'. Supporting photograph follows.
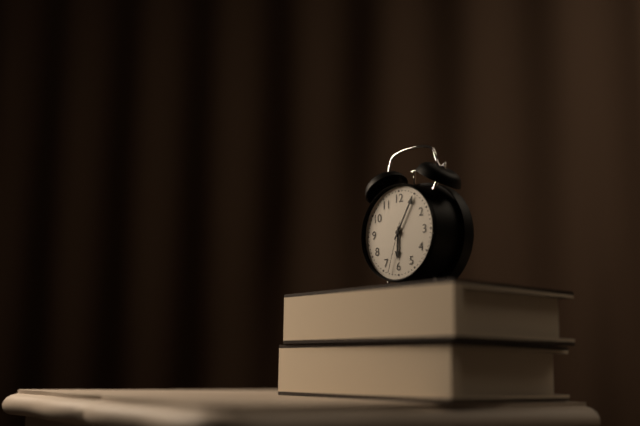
6 h 05 min 33 s
